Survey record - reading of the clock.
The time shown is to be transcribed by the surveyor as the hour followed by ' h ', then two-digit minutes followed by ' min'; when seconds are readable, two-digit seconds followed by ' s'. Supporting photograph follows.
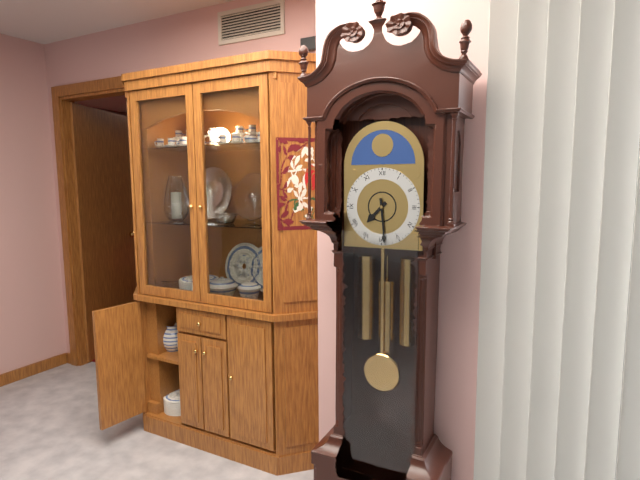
7 h 29 min
